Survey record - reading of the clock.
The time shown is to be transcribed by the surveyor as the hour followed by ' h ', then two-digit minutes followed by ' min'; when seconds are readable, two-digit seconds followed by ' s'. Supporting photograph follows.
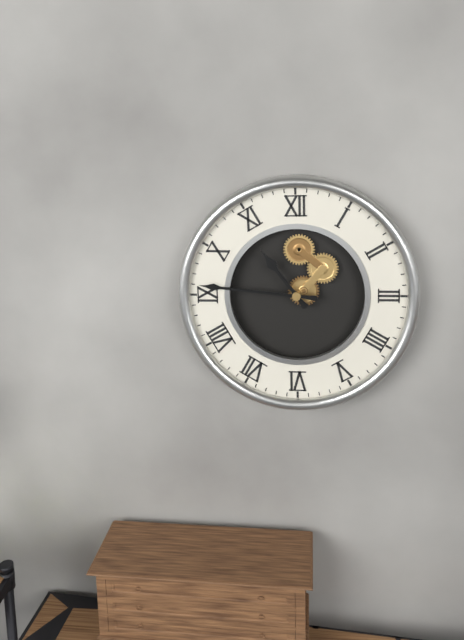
10 h 46 min
